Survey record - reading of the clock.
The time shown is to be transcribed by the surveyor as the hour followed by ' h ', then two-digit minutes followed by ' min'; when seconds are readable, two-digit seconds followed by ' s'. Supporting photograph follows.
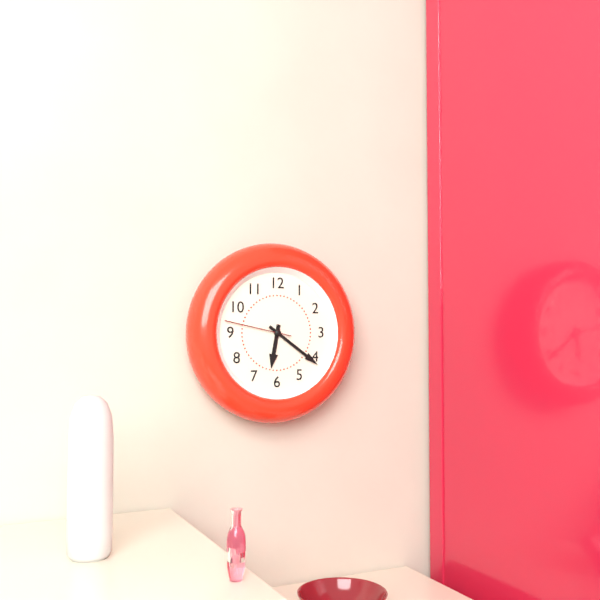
6 h 21 min 47 s
